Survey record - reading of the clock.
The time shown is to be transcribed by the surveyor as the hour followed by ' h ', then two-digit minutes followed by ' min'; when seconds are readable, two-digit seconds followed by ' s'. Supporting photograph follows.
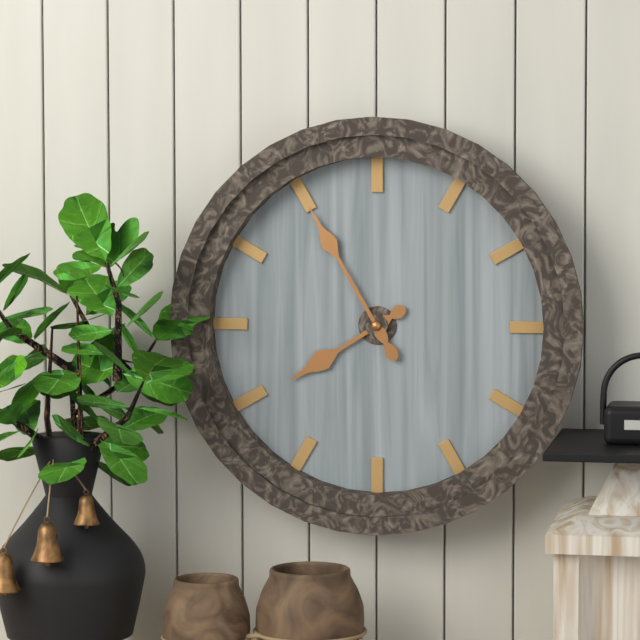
7 h 55 min
